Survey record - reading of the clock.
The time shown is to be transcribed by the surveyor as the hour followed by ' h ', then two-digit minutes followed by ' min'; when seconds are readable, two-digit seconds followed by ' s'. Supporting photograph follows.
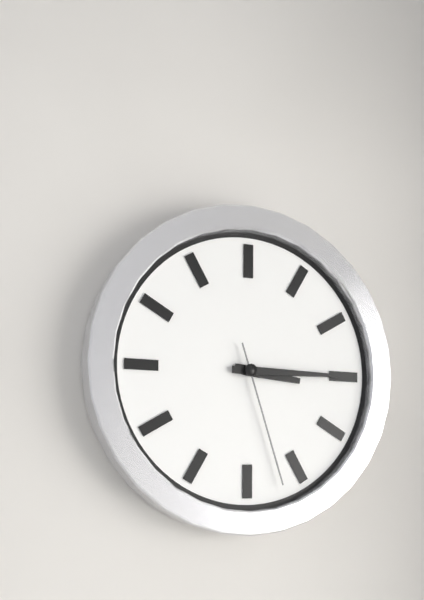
3 h 15 min 27 s
